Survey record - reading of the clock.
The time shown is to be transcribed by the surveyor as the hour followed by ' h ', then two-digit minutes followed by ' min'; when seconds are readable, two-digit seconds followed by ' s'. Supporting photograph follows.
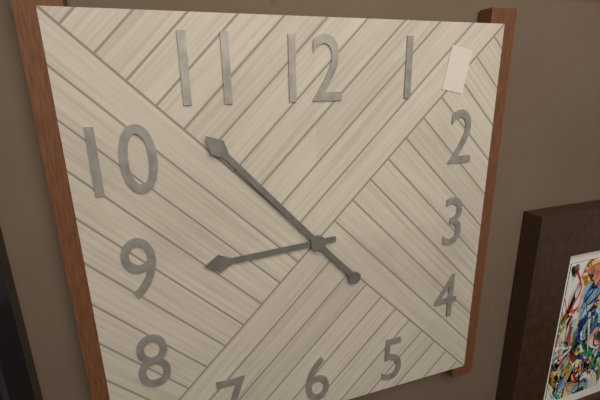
8 h 53 min
